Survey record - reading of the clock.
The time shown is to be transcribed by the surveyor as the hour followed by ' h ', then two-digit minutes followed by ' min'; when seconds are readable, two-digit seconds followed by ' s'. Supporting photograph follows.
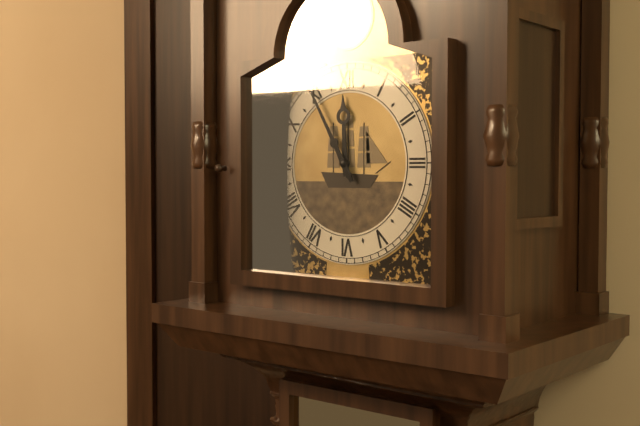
11 h 55 min
